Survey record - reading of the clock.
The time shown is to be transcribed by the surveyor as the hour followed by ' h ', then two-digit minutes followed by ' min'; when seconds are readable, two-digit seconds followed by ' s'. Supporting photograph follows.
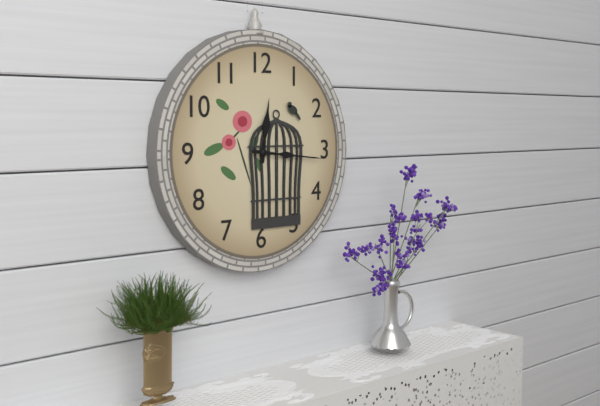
12 h 16 min
